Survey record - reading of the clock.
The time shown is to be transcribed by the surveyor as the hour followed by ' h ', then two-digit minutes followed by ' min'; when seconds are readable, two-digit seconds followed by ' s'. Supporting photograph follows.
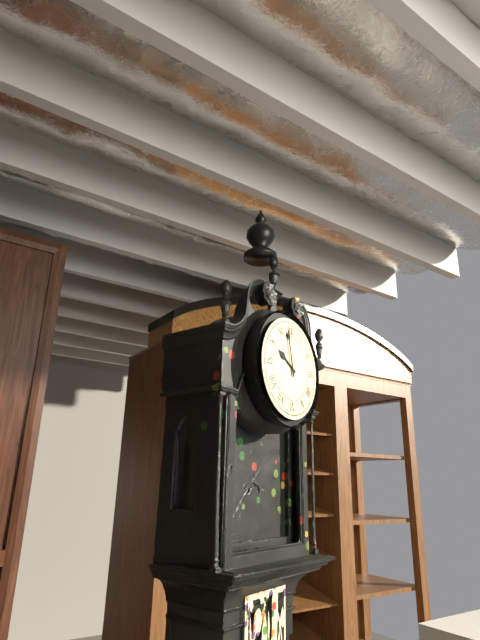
9 h 58 min
